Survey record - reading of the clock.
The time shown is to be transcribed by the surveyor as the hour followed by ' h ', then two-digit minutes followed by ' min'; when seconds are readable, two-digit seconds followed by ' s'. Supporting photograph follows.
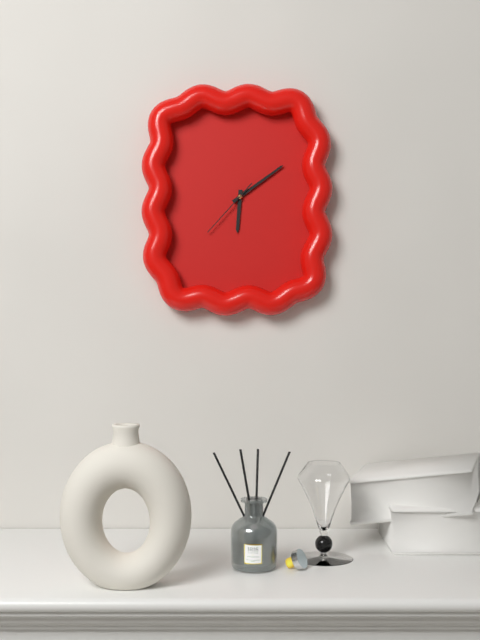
6 h 09 min 37 s
